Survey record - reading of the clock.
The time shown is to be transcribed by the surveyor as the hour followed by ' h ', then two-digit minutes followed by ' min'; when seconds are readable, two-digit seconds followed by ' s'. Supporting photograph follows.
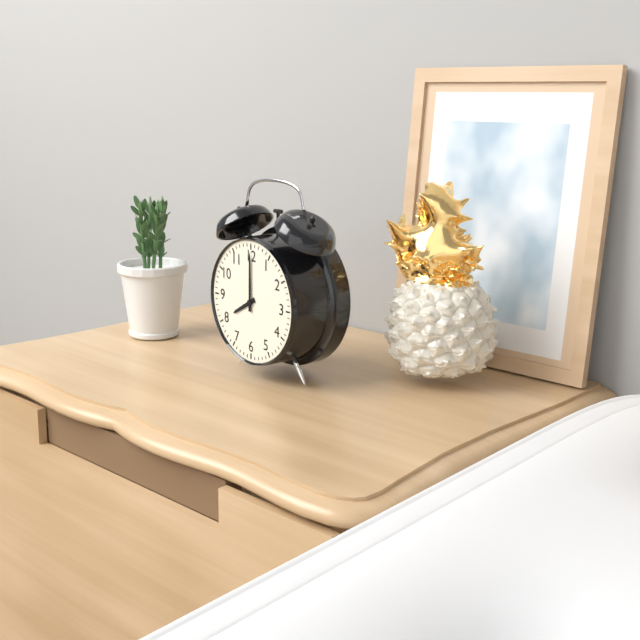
8 h 00 min
